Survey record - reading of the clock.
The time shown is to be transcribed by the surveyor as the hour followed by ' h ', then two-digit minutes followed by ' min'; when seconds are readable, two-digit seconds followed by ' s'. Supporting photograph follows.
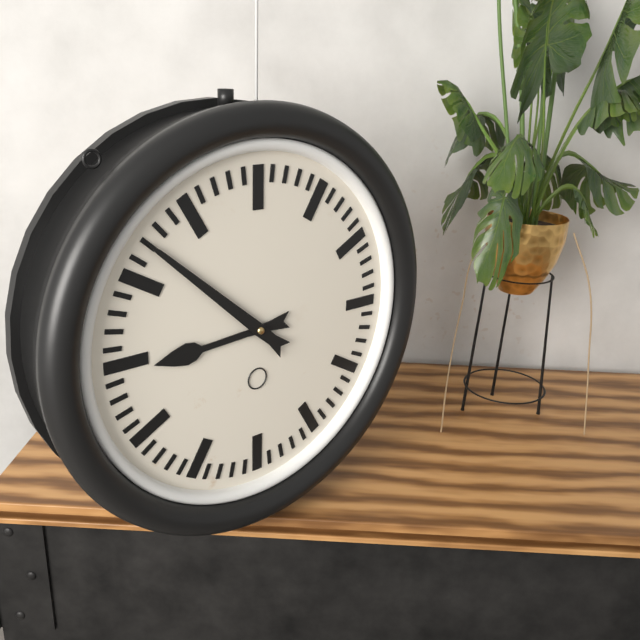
8 h 52 min
